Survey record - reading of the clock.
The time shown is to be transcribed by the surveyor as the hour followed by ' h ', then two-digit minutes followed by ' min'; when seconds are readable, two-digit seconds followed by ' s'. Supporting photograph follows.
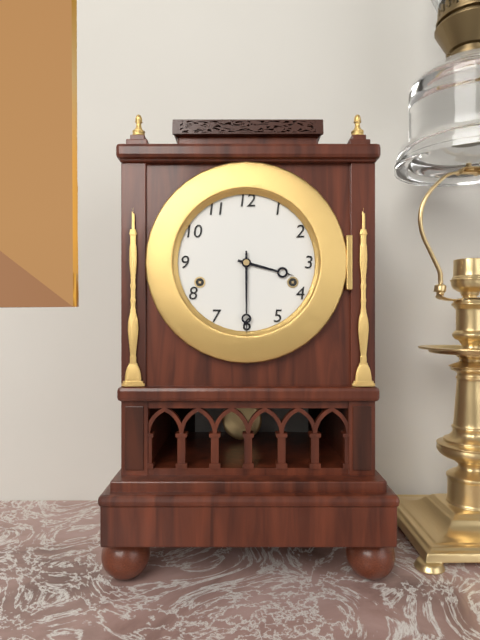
3 h 30 min
